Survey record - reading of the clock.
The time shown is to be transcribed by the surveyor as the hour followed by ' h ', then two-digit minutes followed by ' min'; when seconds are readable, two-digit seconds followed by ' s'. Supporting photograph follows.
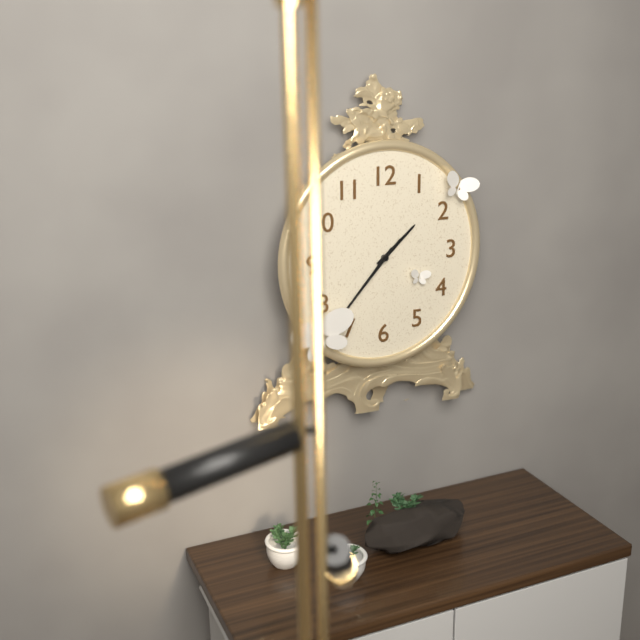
1 h 37 min 37 s
